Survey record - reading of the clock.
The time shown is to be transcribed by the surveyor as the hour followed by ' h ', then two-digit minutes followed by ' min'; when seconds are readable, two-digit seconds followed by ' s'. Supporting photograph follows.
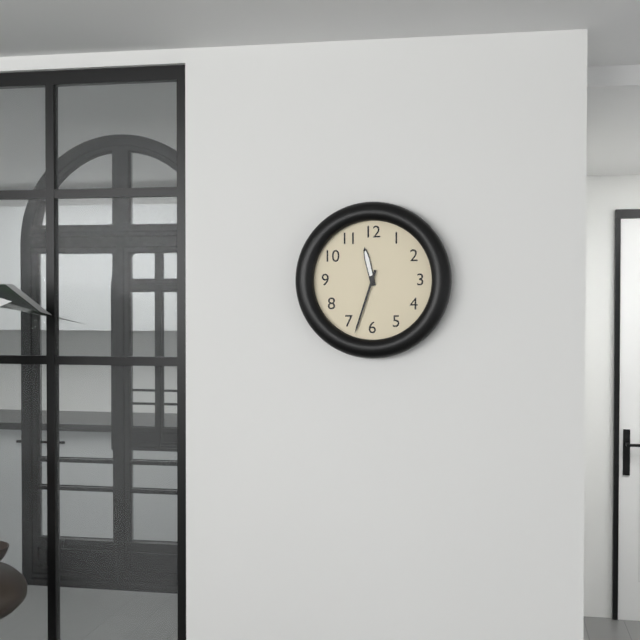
11 h 33 min
